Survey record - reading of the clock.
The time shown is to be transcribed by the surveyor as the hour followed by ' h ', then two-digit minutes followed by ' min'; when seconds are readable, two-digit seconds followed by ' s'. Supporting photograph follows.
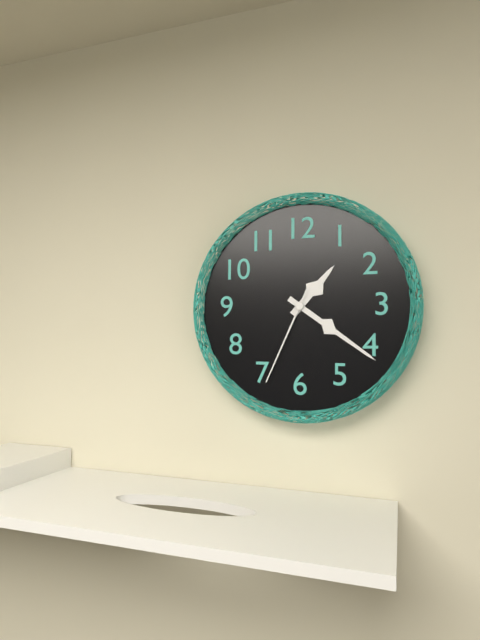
1 h 21 min 34 s
